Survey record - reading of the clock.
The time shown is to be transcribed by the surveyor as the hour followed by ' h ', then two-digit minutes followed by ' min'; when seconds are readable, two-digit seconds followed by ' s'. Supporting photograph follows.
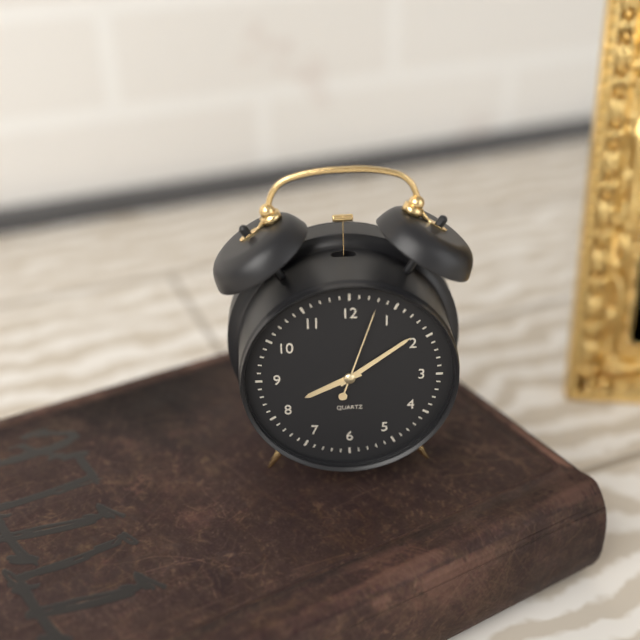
8 h 09 min 03 s
